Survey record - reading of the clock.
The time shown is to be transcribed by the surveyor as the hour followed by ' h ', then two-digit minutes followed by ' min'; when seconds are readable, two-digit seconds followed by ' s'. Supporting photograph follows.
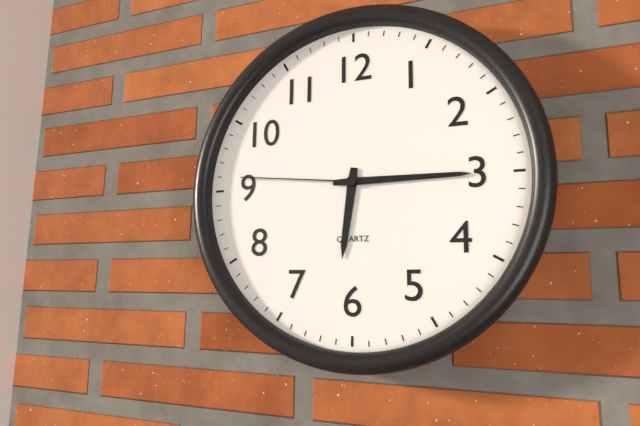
6 h 15 min 46 s
